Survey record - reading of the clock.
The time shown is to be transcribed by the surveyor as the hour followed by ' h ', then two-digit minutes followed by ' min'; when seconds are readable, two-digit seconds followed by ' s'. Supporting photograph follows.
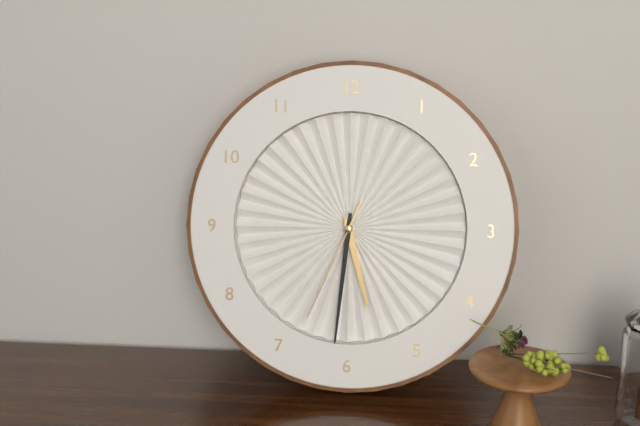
5 h 31 min 34 s
